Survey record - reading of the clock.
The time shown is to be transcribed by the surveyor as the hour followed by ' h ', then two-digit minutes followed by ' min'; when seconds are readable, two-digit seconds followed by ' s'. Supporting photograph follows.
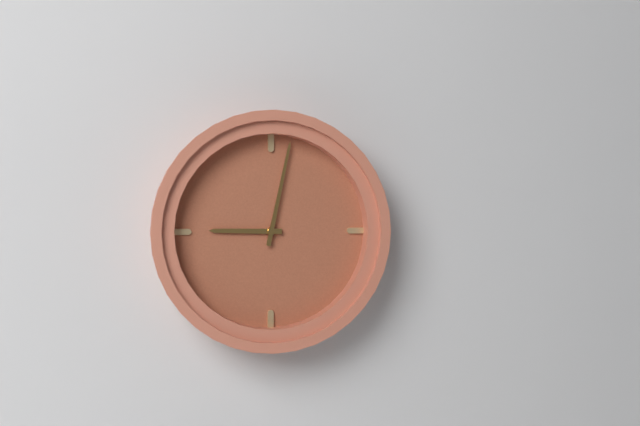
9 h 02 min
